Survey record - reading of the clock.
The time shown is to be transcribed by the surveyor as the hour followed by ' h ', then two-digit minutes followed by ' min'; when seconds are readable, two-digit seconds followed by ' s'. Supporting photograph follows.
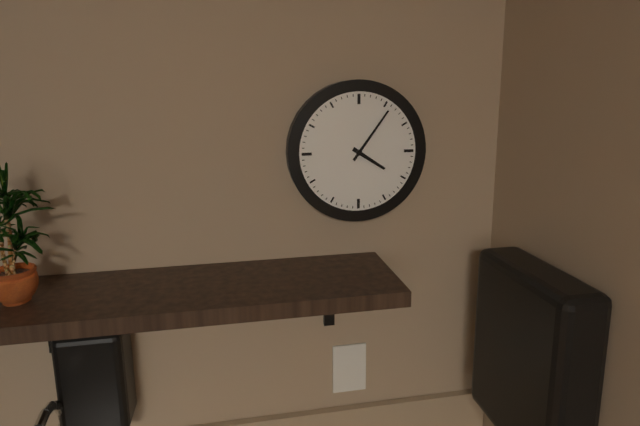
4 h 06 min
